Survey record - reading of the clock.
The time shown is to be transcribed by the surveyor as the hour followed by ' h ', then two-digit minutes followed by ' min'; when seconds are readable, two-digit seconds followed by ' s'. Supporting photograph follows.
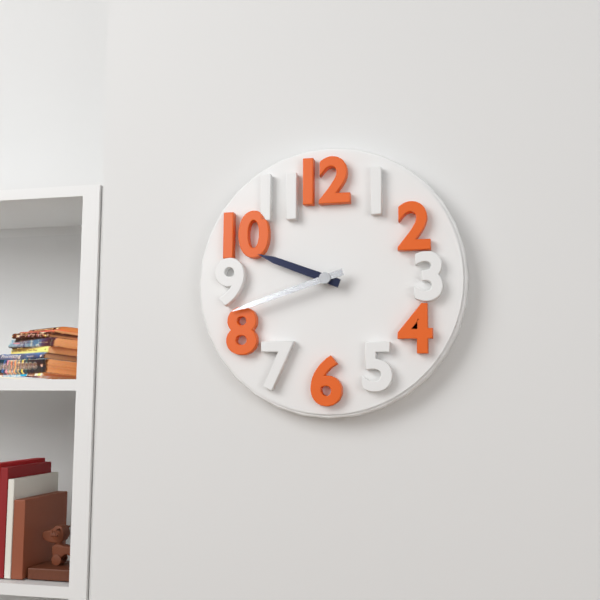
9 h 42 min
